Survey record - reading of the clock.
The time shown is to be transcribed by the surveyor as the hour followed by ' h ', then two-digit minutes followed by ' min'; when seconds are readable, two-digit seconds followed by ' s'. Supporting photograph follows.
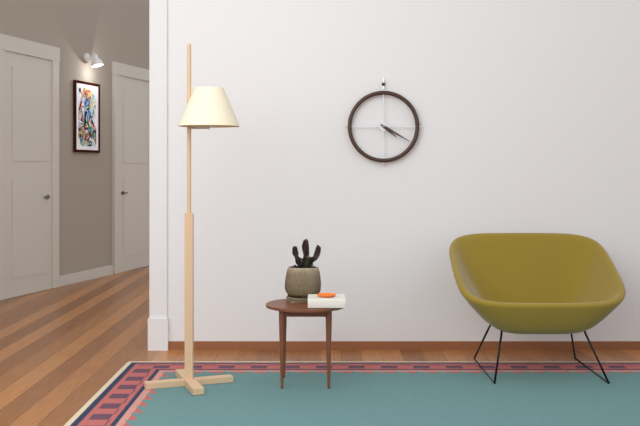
4 h 20 min
